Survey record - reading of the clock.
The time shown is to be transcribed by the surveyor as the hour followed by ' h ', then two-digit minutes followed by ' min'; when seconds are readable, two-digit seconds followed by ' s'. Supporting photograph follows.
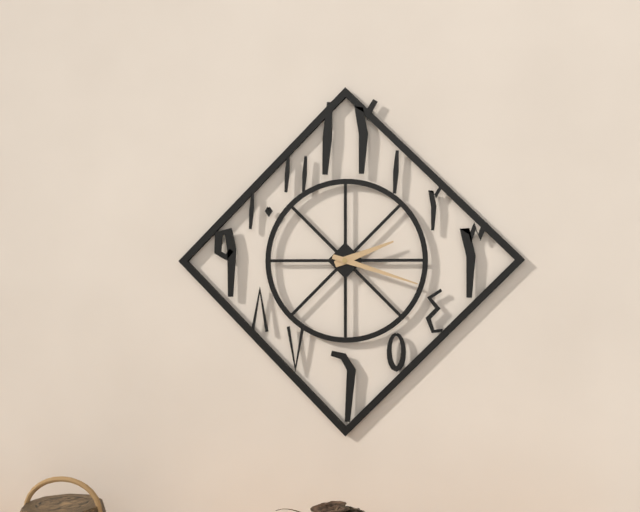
2 h 18 min
